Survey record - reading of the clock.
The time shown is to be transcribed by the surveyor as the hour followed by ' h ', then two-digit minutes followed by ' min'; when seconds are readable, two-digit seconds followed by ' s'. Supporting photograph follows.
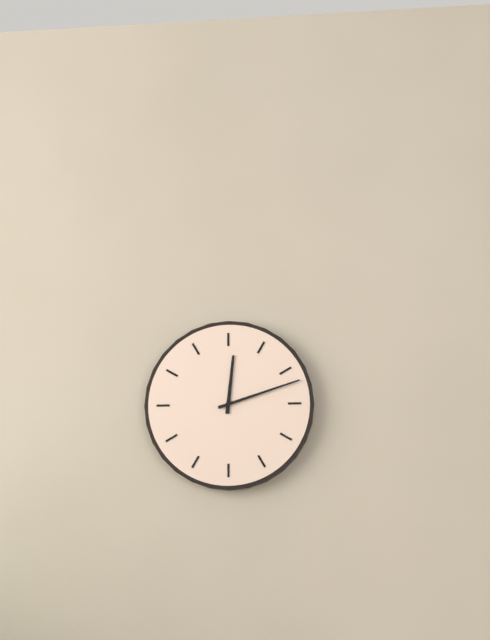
12 h 12 min
